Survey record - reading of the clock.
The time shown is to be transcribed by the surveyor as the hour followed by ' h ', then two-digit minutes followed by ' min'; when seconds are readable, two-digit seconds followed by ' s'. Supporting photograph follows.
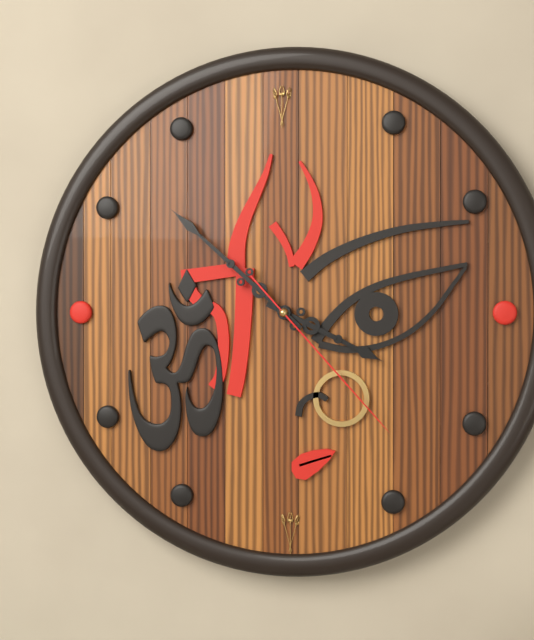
3 h 52 min 23 s
